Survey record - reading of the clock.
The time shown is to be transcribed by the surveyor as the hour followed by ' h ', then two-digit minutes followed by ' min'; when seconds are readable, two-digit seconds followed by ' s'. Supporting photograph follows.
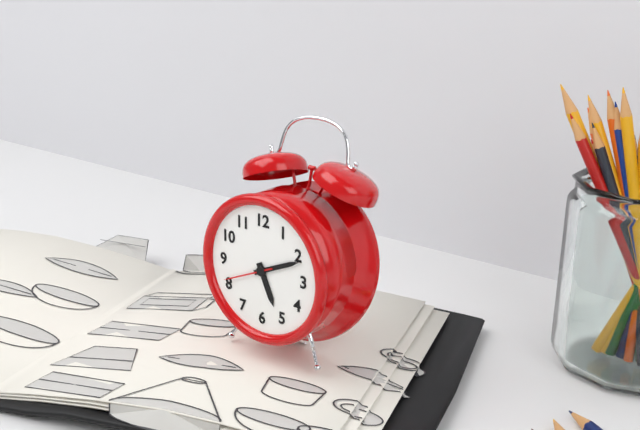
5 h 11 min
